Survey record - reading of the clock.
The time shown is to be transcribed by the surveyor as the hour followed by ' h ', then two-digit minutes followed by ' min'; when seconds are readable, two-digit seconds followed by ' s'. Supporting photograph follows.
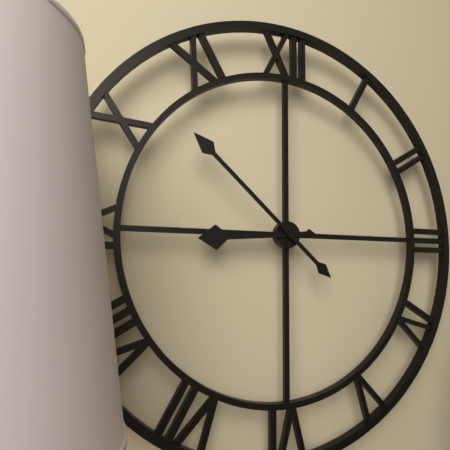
8 h 52 min
